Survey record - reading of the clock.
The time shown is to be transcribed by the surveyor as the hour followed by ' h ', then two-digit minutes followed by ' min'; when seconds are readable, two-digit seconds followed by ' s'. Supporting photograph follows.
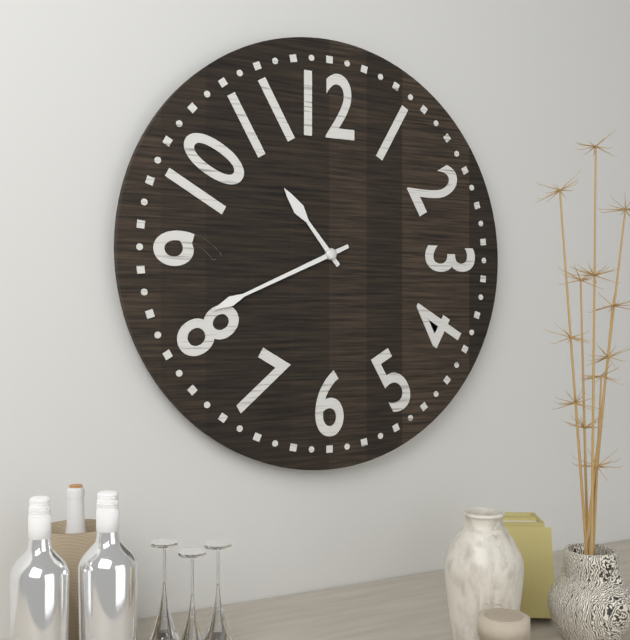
10 h 41 min
